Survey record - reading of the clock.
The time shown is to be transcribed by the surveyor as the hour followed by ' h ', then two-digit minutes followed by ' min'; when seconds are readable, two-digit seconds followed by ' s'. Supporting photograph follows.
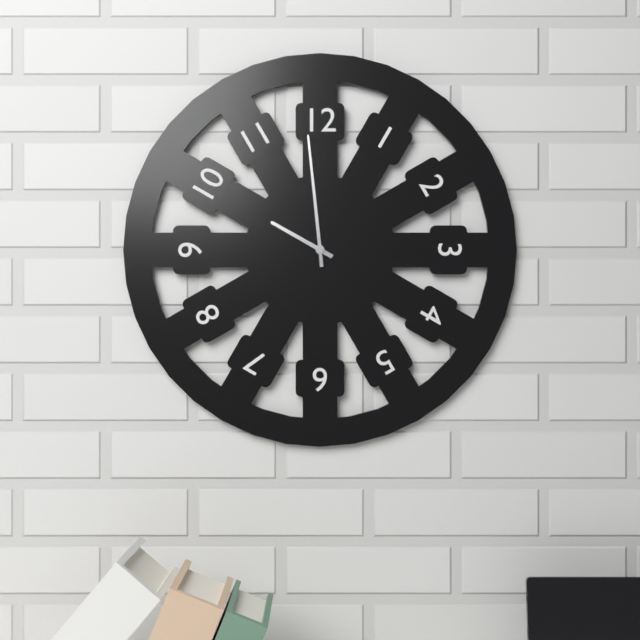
9 h 59 min
